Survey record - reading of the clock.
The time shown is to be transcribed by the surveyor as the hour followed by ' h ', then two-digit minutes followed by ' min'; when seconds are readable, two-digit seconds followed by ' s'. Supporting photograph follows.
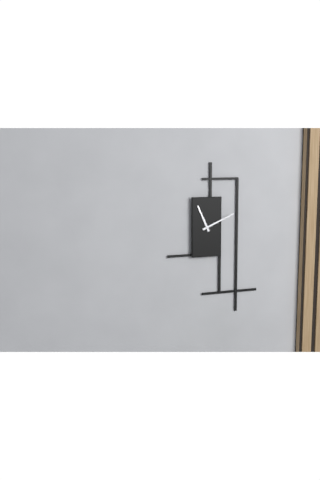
11 h 11 min
